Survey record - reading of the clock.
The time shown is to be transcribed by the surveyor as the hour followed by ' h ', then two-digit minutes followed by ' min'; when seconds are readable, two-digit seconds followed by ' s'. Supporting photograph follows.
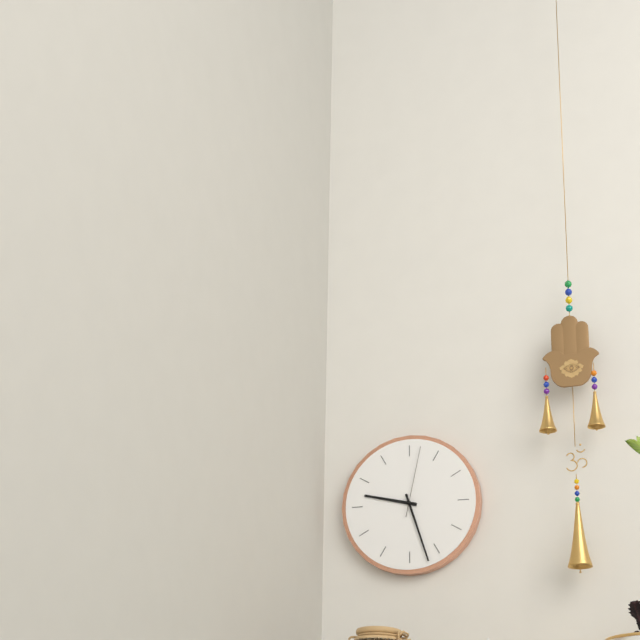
9 h 27 min 02 s
